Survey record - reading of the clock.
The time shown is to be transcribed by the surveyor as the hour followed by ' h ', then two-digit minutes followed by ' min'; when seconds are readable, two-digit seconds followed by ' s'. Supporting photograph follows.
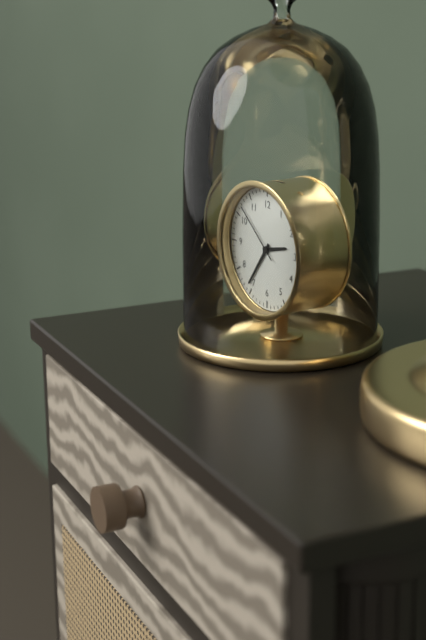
2 h 36 min 52 s
